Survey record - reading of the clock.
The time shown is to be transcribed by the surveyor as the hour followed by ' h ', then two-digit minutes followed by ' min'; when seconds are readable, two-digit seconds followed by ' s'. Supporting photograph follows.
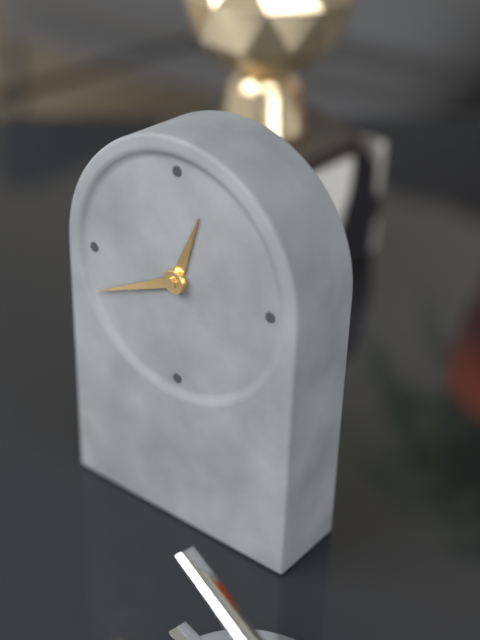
12 h 41 min
